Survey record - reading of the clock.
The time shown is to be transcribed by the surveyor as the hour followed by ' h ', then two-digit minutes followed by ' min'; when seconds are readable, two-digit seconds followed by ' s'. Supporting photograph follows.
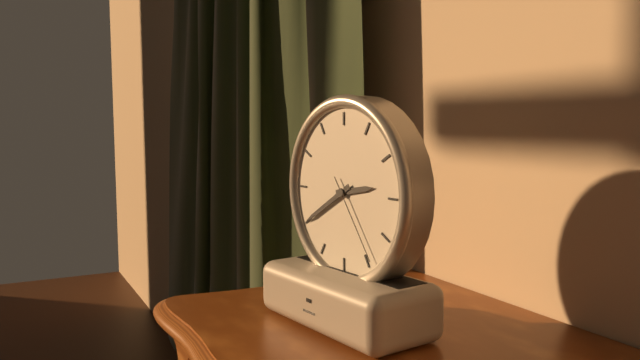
2 h 40 min 24 s
